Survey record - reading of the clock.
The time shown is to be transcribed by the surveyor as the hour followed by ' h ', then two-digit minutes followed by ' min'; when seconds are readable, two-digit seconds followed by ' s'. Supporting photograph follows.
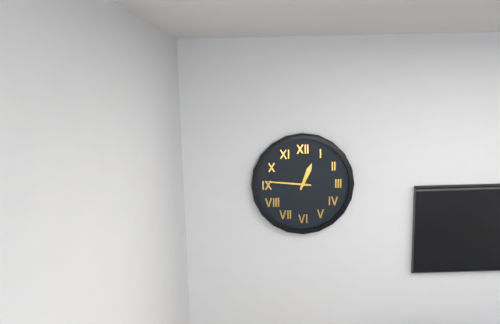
12 h 46 min
